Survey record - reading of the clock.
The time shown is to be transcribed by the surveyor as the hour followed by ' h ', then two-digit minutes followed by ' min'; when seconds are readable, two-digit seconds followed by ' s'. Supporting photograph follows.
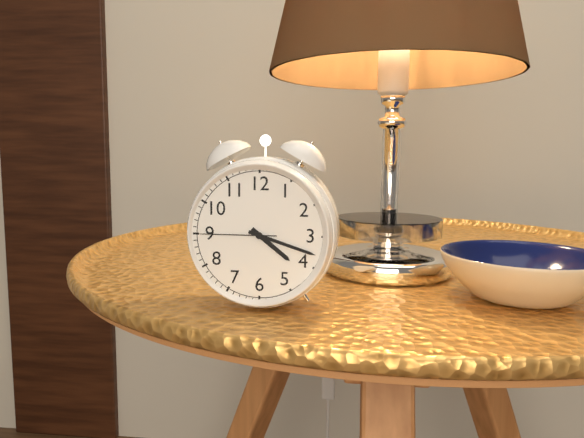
4 h 18 min 45 s
